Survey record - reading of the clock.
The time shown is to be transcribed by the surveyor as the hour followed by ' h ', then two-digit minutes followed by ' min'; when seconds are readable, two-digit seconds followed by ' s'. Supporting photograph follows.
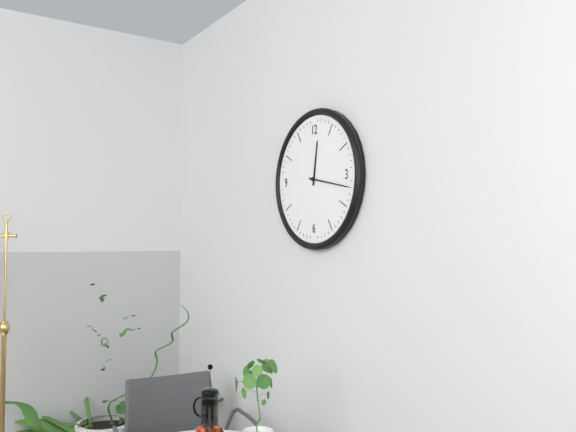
12 h 17 min
